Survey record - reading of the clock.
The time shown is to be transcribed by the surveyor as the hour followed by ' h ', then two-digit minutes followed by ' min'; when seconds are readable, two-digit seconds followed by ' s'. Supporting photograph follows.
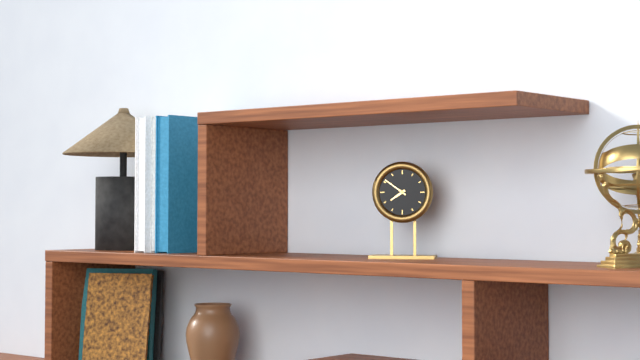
7 h 51 min
